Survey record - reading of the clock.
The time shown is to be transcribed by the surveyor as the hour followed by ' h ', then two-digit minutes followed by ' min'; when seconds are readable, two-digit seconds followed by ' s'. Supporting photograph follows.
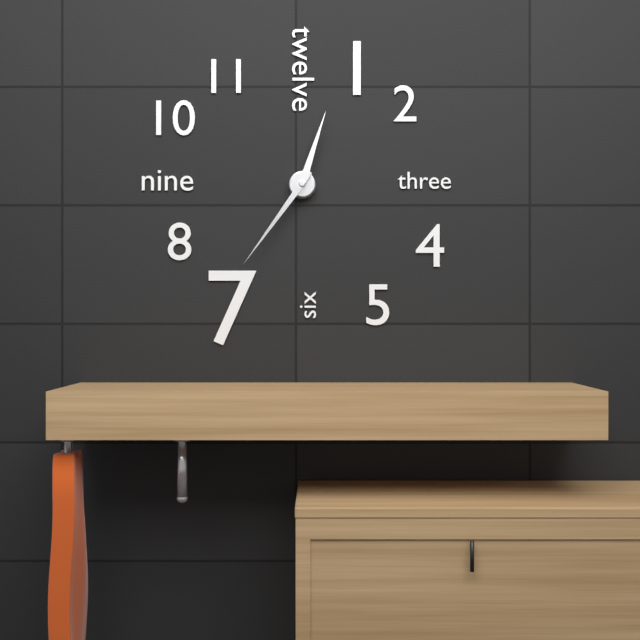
12 h 36 min
